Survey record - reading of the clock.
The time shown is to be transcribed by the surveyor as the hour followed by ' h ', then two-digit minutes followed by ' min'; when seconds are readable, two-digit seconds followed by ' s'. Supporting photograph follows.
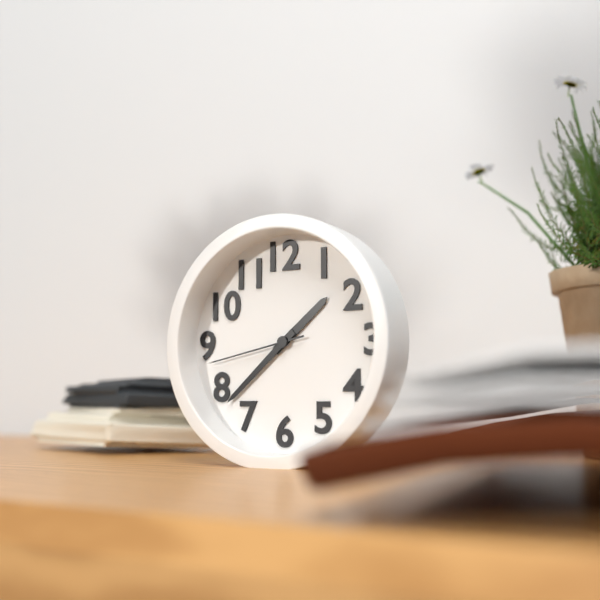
1 h 38 min 43 s
